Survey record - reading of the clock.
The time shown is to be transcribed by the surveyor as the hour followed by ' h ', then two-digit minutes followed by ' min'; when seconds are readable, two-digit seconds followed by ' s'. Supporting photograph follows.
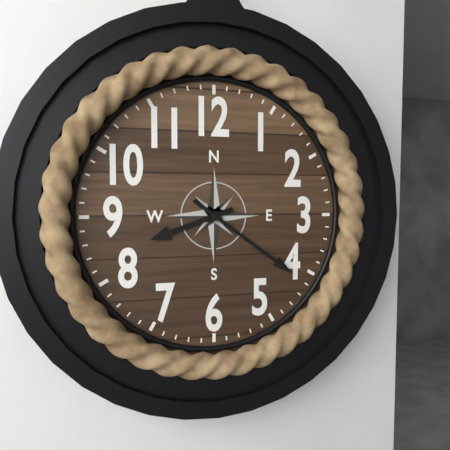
8 h 21 min
